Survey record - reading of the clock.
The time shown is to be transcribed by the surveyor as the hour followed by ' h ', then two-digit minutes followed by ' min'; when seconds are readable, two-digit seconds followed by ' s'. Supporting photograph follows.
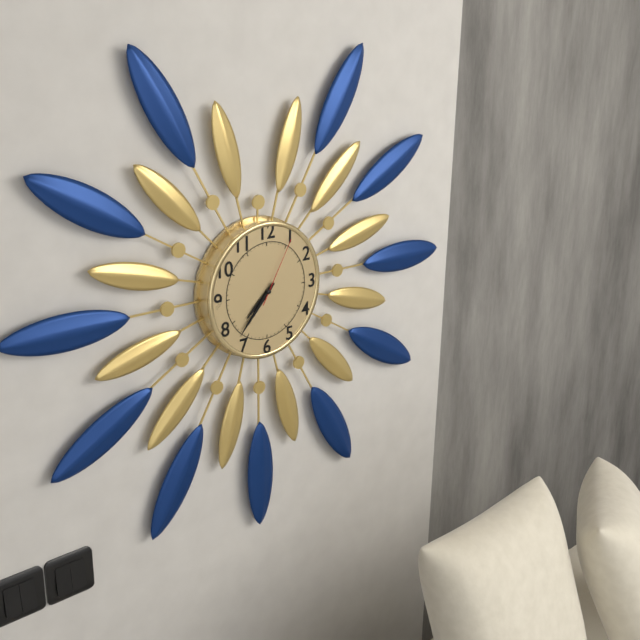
7 h 37 min 05 s
